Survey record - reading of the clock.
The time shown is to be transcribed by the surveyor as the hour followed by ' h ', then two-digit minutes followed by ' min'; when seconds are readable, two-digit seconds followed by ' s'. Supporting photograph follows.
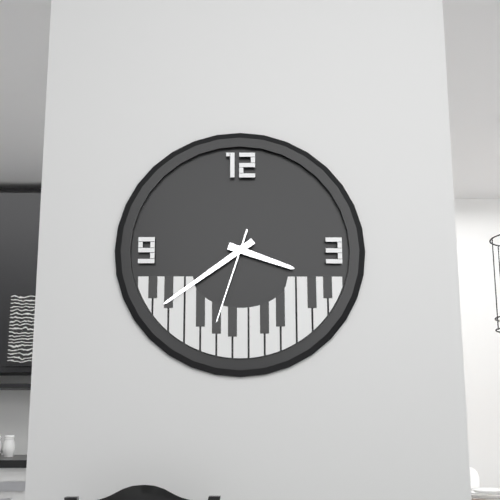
3 h 39 min 33 s
